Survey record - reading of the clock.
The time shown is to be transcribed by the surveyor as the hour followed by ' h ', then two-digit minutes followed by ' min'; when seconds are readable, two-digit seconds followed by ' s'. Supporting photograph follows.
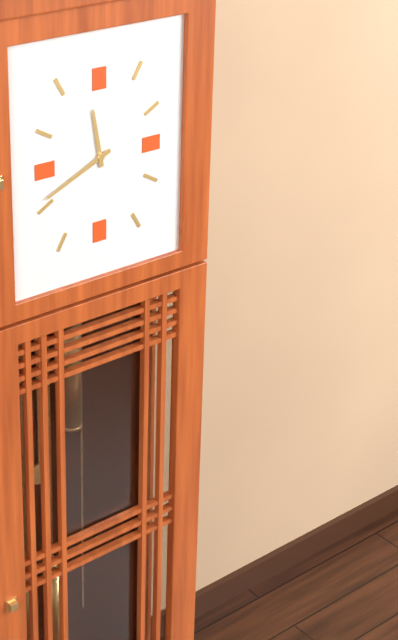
11 h 41 min
